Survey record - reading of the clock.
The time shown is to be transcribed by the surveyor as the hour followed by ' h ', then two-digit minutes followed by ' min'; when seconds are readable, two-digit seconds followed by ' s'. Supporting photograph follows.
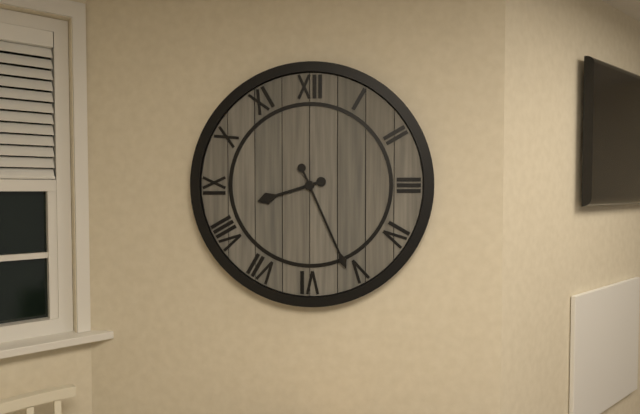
8 h 26 min
